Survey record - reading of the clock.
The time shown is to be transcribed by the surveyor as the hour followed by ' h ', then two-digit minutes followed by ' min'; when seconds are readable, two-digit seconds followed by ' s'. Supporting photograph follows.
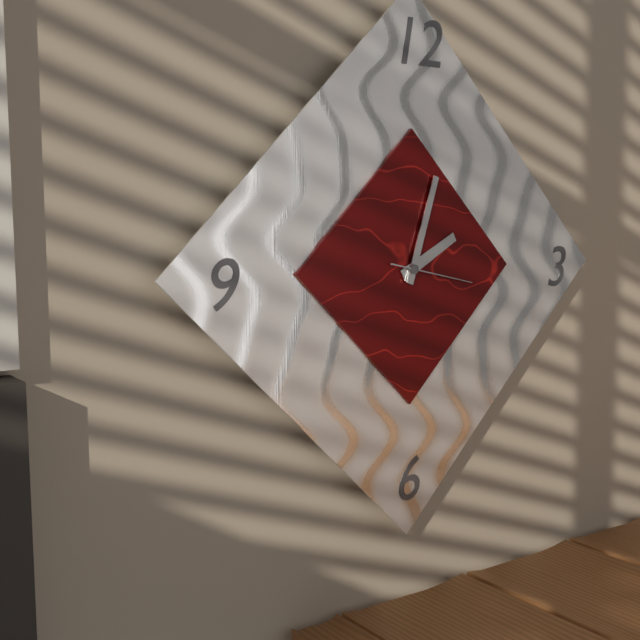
2 h 03 min 17 s
